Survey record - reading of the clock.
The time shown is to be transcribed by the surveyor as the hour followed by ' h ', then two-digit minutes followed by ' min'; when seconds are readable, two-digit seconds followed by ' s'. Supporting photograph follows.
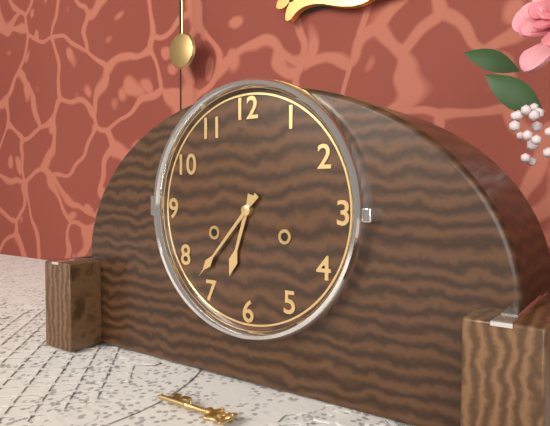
6 h 37 min
